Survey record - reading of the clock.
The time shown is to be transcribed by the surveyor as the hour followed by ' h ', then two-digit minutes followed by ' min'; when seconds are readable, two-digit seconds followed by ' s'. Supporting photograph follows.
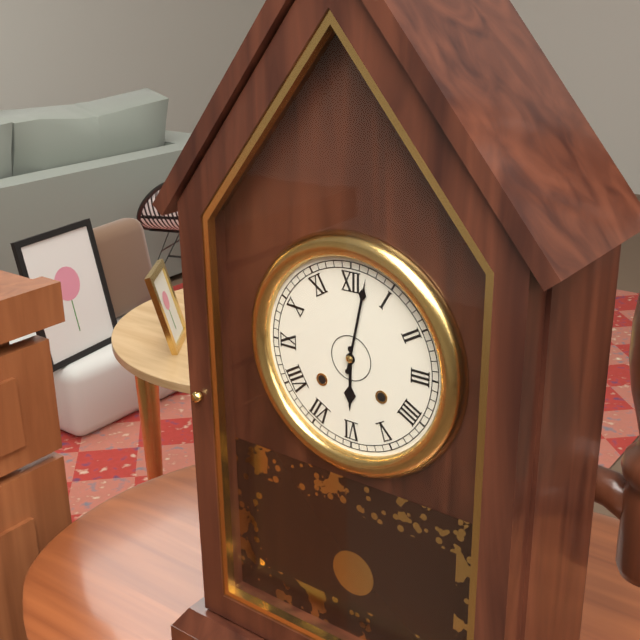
6 h 02 min
